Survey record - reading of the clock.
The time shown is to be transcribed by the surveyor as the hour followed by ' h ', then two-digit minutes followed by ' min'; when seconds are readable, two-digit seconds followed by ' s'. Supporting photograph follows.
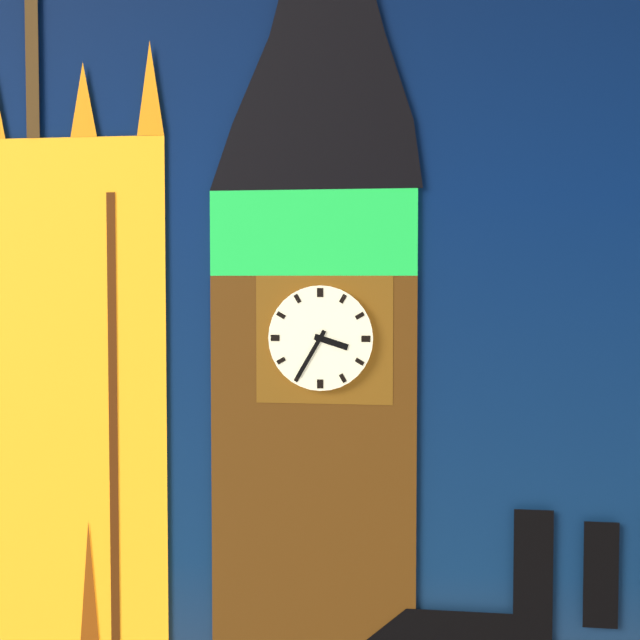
3 h 35 min
